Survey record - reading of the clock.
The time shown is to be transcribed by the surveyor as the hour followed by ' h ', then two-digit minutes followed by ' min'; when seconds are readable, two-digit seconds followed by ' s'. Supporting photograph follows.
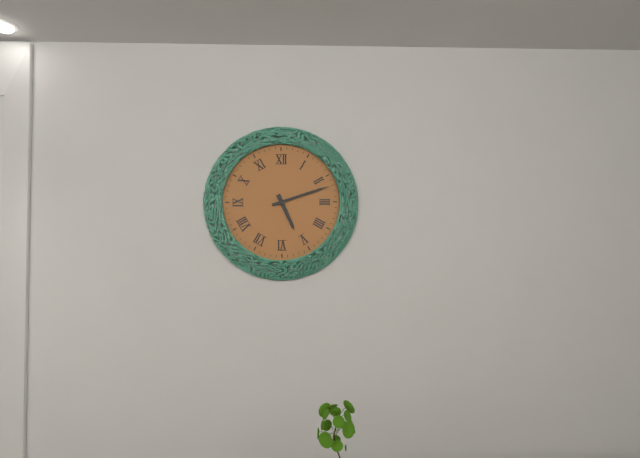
5 h 12 min
